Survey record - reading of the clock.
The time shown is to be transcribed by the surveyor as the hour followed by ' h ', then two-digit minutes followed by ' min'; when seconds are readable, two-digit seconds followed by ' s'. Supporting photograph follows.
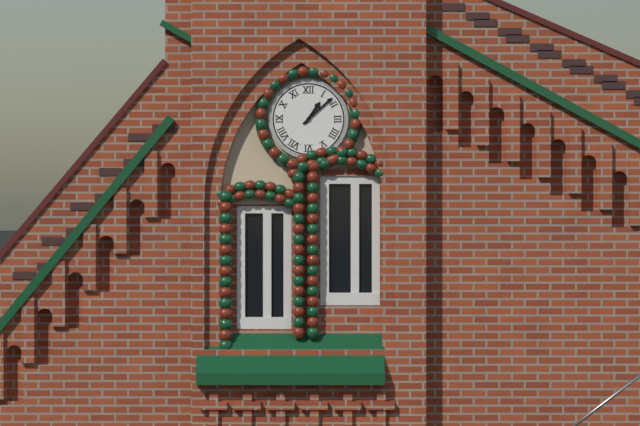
1 h 08 min
